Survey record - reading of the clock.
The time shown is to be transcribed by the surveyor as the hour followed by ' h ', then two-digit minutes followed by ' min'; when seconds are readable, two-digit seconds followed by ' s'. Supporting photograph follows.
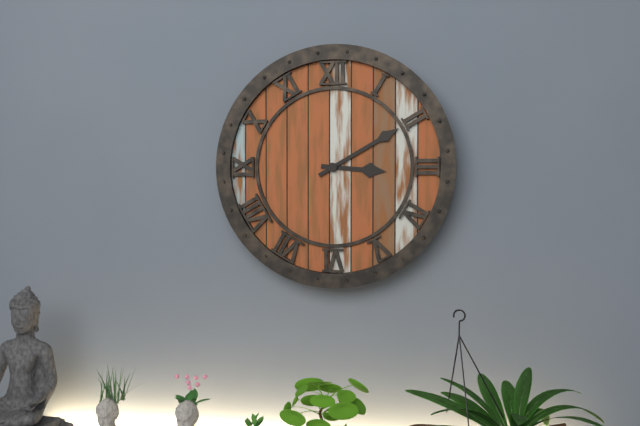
3 h 10 min
